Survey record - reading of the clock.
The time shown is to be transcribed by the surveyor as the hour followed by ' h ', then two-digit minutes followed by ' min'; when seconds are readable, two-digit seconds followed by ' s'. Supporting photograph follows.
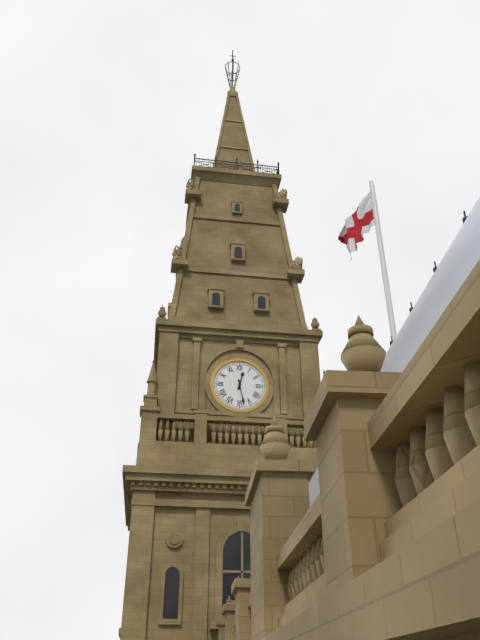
12 h 28 min
